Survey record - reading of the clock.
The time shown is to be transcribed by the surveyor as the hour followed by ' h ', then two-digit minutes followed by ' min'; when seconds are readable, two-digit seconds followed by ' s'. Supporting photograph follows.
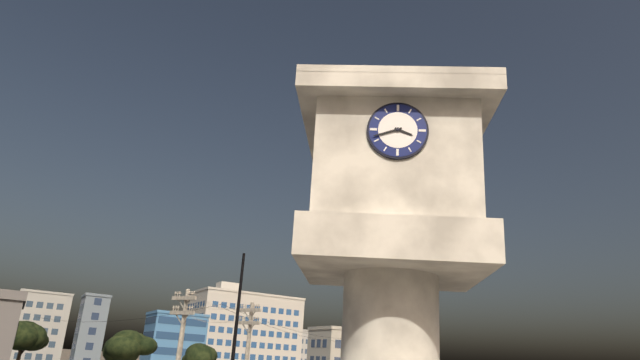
3 h 42 min
